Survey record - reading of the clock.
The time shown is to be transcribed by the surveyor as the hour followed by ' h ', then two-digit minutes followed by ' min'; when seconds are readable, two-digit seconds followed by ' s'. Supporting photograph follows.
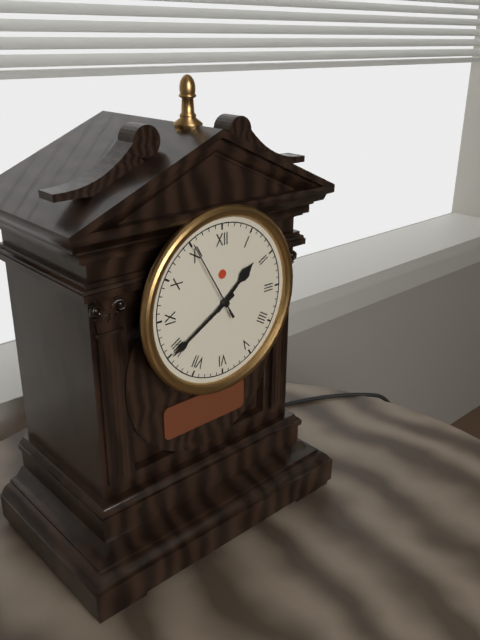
1 h 40 min 55 s
